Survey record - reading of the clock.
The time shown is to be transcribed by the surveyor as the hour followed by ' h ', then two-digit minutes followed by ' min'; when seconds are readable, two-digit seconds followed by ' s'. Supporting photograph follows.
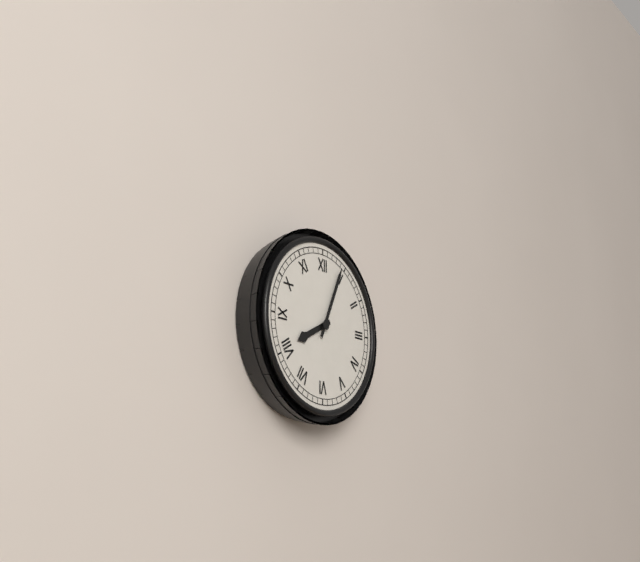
8 h 04 min
